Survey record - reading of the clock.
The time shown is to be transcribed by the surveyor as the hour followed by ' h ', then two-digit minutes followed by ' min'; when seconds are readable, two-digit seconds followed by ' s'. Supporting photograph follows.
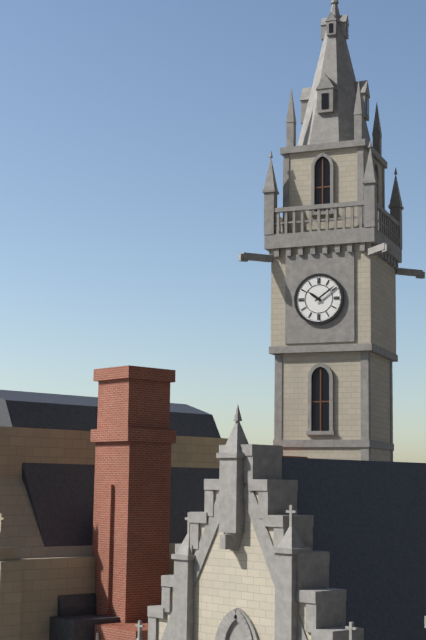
10 h 09 min
